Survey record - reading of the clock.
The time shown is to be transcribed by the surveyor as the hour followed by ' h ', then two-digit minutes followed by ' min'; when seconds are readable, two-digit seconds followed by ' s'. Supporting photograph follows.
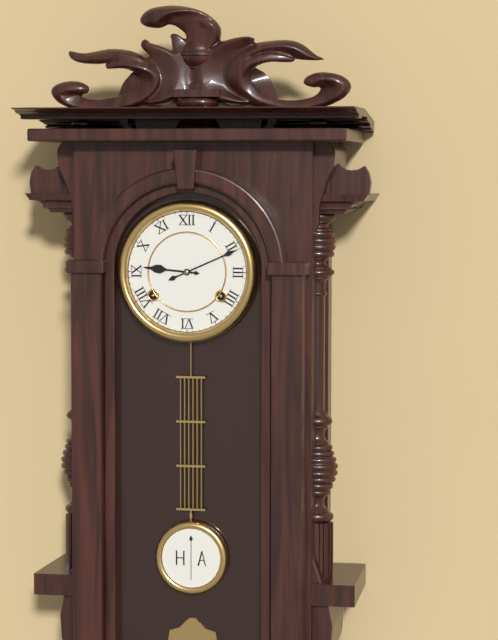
9 h 11 min
